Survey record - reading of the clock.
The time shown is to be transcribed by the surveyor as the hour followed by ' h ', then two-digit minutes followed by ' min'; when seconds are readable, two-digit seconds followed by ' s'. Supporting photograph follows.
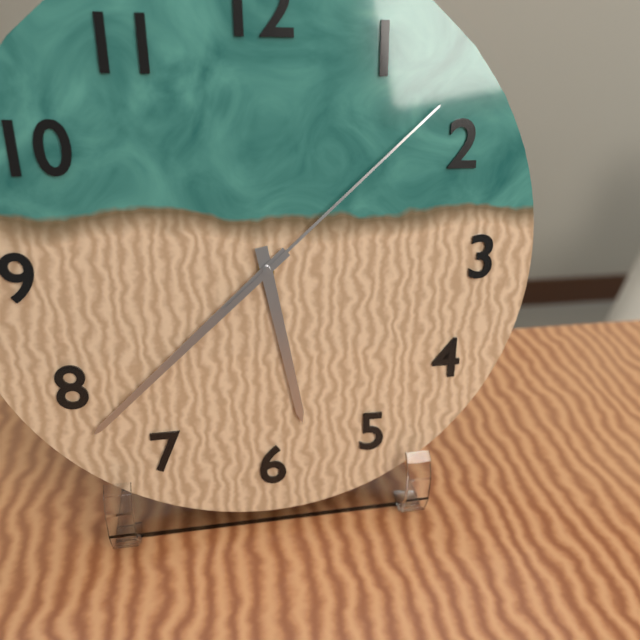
5 h 38 min 08 s
